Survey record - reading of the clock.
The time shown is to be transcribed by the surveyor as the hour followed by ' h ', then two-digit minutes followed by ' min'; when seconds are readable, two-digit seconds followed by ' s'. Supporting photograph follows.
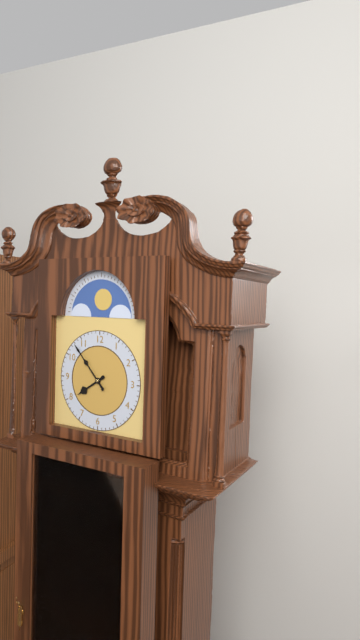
7 h 53 min
